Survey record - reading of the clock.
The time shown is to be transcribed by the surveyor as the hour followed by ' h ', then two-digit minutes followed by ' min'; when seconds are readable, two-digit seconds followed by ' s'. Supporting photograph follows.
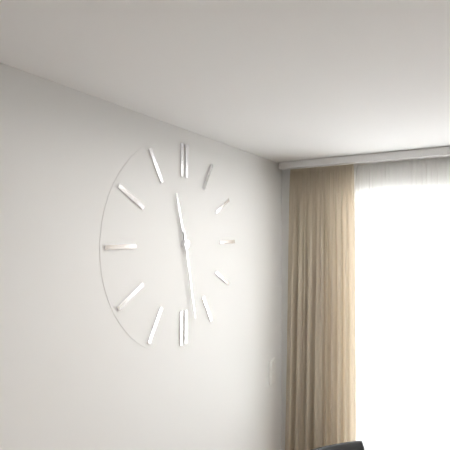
11 h 28 min
